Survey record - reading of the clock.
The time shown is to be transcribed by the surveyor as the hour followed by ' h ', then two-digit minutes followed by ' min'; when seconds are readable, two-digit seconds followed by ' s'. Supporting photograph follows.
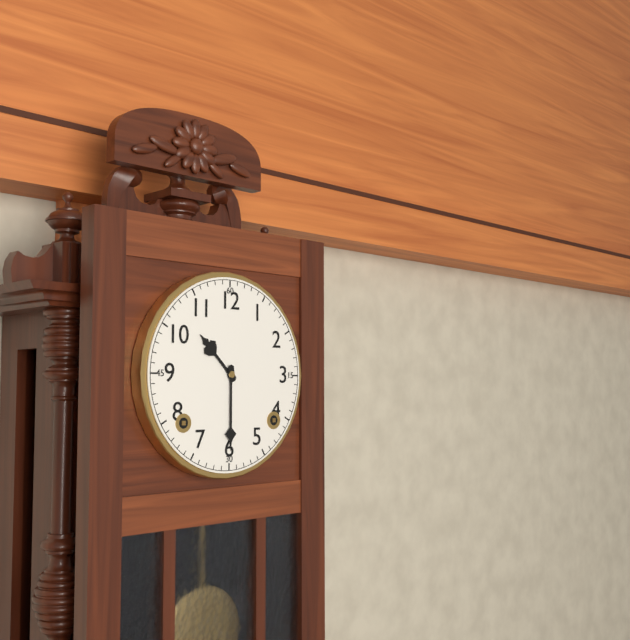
10 h 30 min
